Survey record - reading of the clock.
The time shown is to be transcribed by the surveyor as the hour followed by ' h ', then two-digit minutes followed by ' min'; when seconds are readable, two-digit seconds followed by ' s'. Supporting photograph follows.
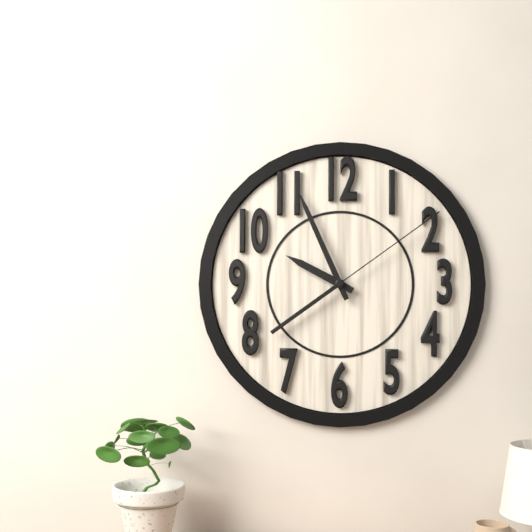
9 h 56 min 09 s
